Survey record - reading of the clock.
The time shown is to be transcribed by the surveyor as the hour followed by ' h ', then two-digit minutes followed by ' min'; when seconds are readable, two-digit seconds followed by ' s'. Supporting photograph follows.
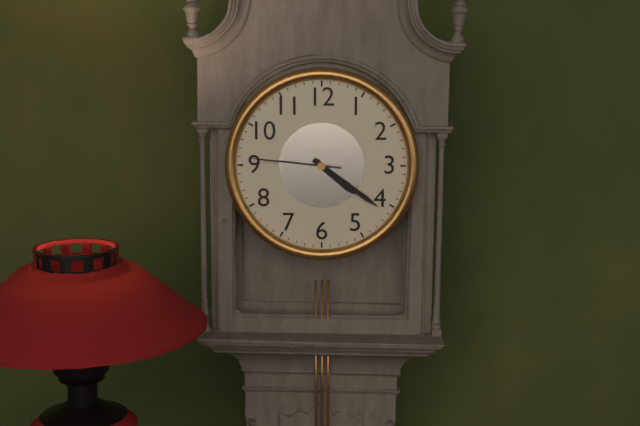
4 h 21 min 46 s
